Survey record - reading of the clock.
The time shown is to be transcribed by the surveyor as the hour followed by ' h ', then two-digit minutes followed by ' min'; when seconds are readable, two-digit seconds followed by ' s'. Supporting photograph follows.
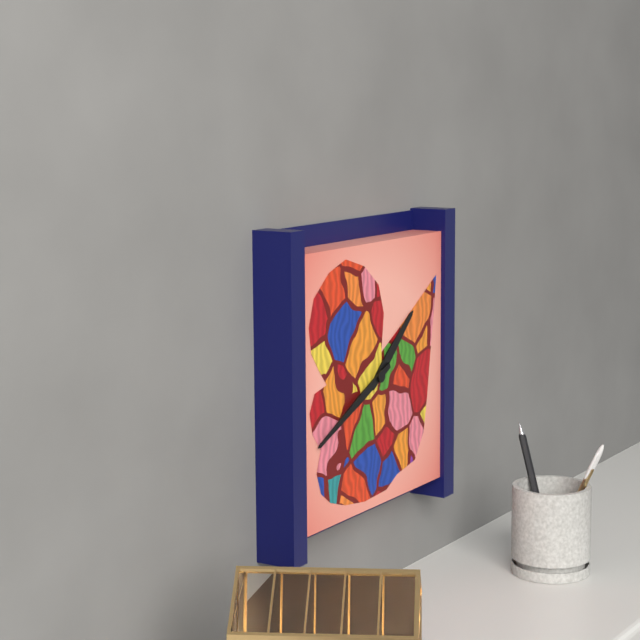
1 h 41 min
